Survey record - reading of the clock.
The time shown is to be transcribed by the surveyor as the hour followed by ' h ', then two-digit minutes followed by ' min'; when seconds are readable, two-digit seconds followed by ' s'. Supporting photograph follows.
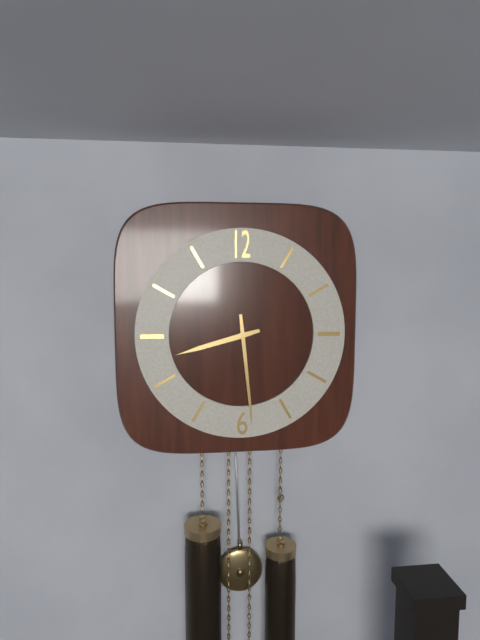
8 h 29 min
